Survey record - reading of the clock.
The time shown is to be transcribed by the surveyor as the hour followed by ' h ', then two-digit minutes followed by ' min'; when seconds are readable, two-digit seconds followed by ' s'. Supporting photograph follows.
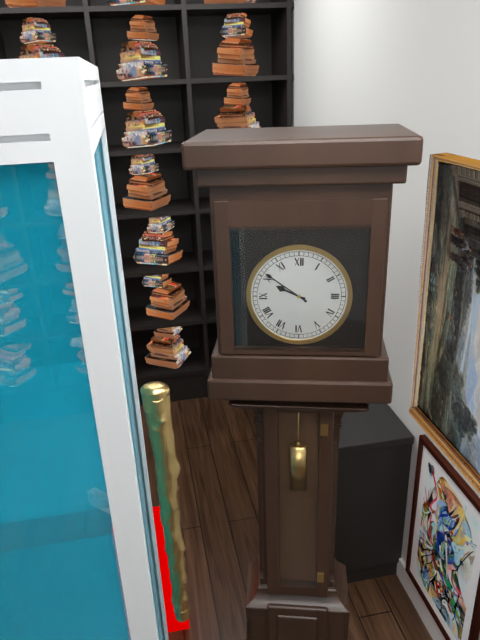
9 h 51 min
